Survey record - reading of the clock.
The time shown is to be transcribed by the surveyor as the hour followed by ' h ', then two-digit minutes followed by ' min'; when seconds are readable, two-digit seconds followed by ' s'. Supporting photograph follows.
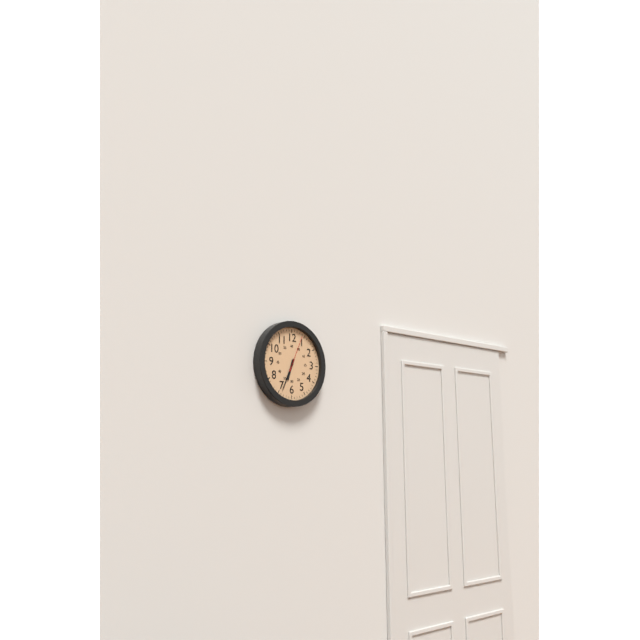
6 h 34 min
